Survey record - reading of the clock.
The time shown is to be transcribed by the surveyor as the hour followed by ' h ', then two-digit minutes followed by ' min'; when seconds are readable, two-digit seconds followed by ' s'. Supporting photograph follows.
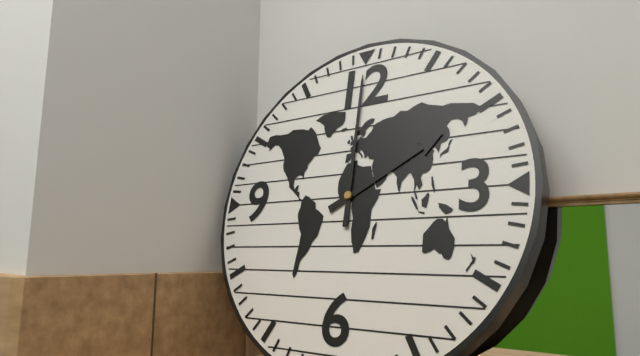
2 h 00 min
